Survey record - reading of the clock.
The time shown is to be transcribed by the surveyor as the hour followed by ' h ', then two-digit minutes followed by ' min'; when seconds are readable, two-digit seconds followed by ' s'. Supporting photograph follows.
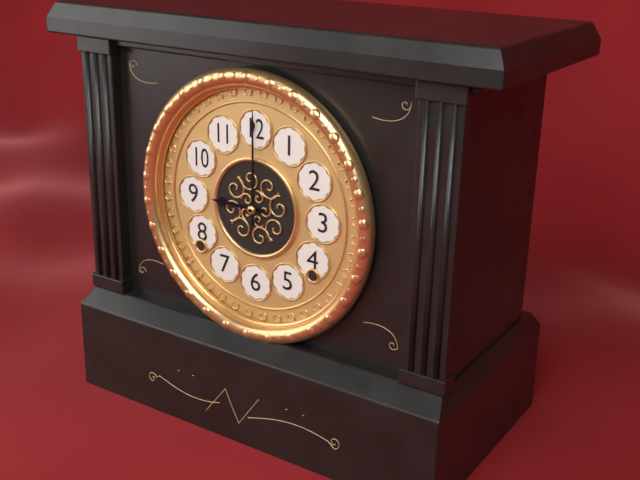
9 h 00 min
